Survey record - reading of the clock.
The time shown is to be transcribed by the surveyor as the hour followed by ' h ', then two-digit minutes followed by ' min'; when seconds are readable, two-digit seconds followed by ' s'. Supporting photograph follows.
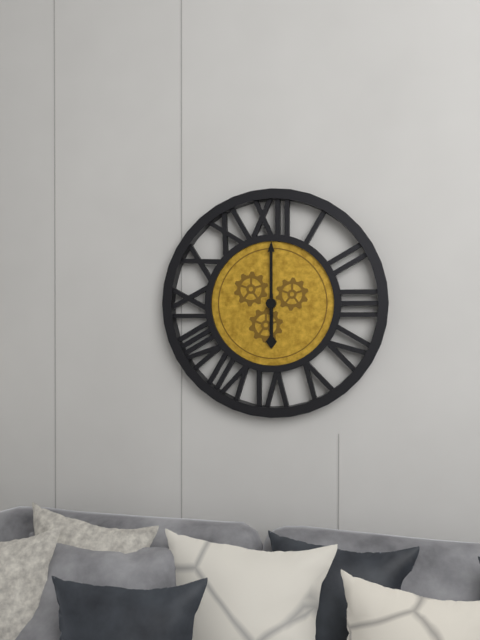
6 h 00 min
